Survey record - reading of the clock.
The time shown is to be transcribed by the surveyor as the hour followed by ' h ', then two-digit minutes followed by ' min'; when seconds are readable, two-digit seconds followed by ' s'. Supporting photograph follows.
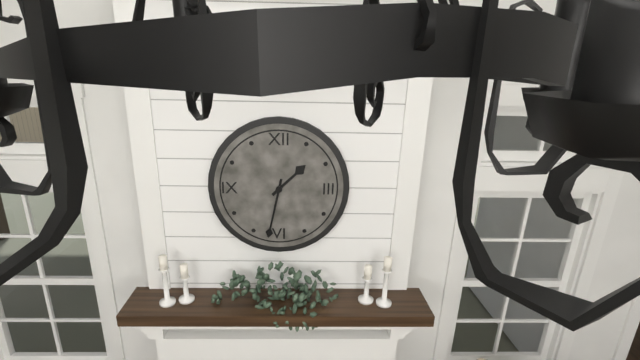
1 h 32 min
